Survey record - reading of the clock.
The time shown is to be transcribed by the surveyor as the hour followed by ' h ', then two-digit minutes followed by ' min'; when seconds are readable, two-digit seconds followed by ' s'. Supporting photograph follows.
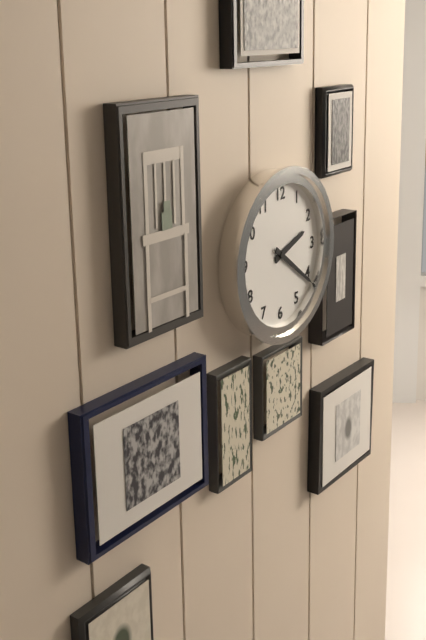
2 h 21 min
